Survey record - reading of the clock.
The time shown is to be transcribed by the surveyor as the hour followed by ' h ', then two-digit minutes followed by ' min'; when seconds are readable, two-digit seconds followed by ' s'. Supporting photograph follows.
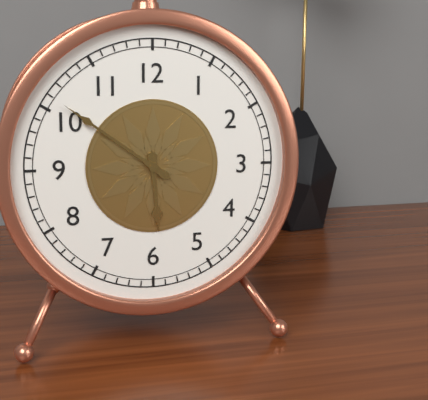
5 h 51 min
